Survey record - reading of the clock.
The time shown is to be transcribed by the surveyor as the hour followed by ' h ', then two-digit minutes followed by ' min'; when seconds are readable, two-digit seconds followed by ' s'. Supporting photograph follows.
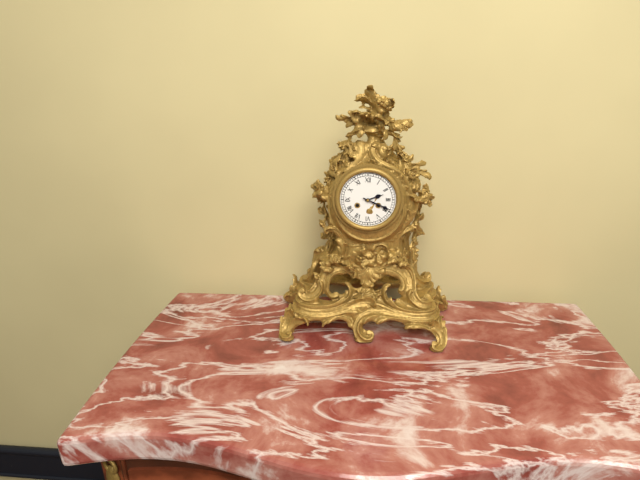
2 h 19 min
